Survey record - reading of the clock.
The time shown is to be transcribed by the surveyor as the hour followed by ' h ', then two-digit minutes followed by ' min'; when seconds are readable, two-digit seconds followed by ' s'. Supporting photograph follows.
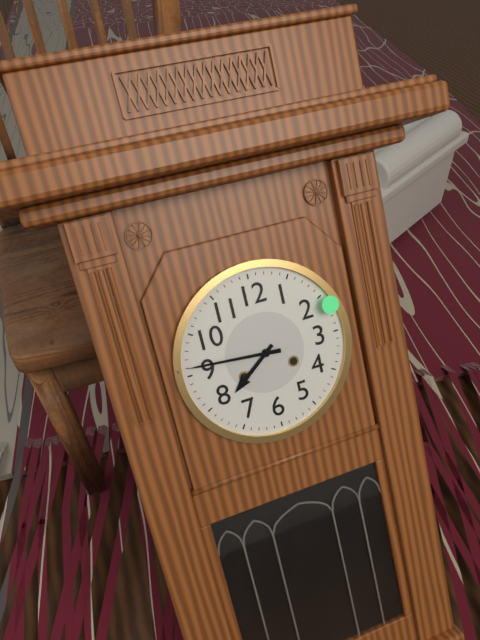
7 h 46 min
